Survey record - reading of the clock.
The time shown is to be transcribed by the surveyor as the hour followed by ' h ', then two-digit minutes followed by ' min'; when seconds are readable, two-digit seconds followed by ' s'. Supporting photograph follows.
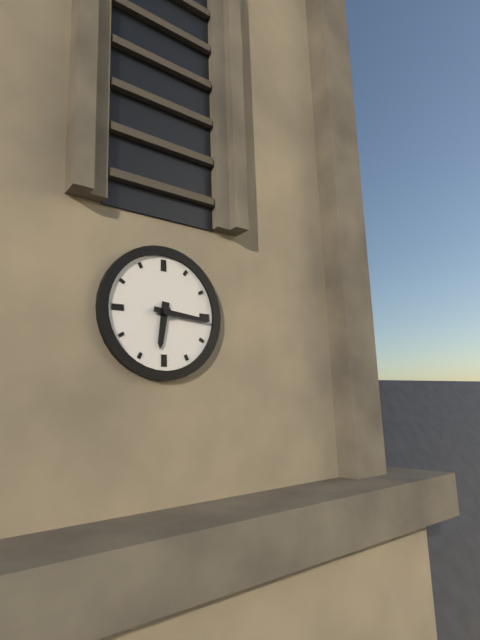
6 h 16 min
